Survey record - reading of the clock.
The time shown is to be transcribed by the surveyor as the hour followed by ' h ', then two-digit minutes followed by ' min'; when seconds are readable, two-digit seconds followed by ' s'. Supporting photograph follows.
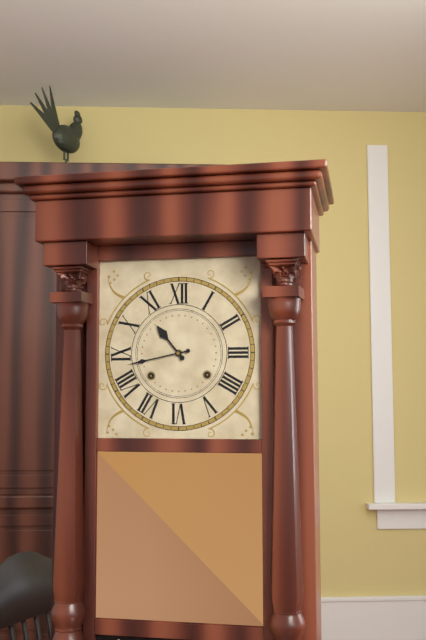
10 h 43 min
